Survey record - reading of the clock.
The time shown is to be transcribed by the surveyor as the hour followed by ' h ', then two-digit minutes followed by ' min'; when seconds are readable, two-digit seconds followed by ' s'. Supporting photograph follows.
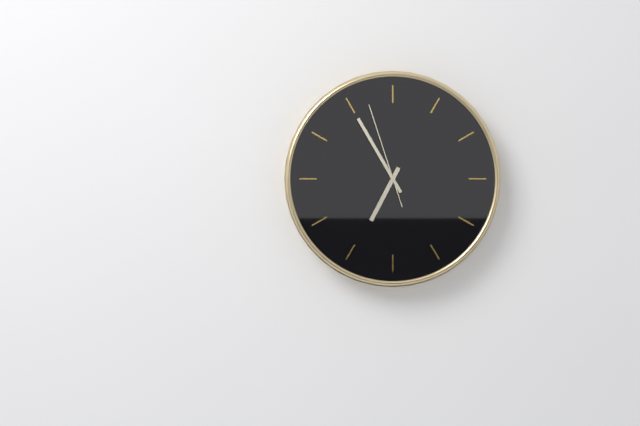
6 h 55 min 57 s
